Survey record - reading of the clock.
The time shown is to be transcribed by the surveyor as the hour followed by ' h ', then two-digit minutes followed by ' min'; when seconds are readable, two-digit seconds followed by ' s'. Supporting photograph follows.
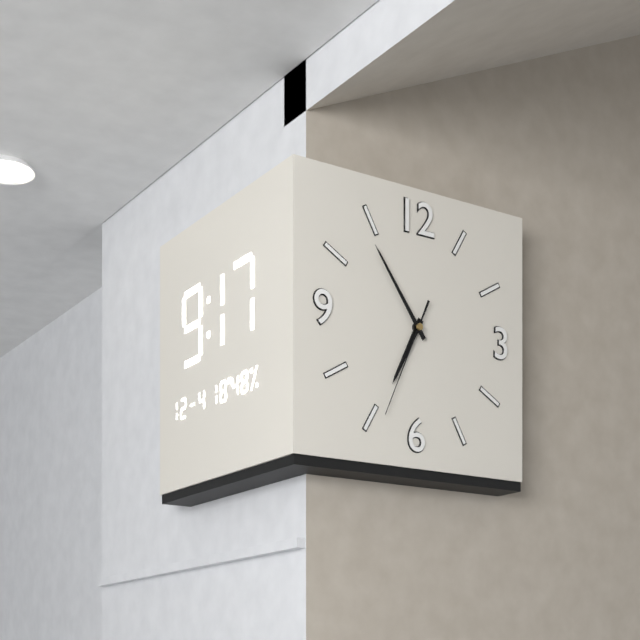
6 h 54 min 34 s
